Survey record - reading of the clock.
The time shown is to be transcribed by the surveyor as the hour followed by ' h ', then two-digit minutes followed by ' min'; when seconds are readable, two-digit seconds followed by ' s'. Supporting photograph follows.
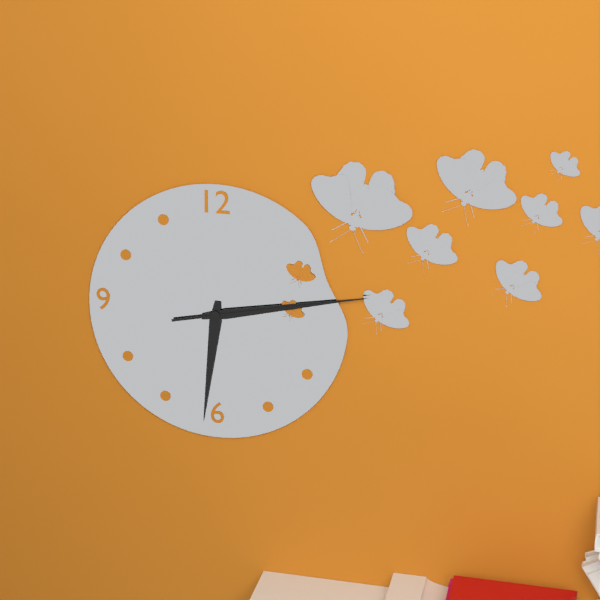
6 h 13 min 13 s
